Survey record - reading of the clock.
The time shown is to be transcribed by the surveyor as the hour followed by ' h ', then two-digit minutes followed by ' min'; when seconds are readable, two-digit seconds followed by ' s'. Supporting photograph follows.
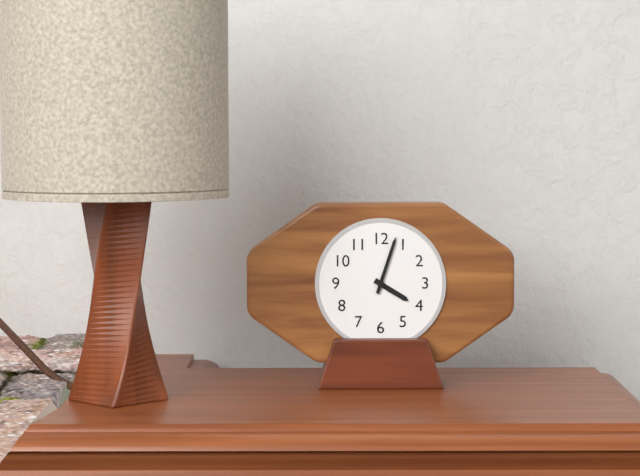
4 h 03 min
